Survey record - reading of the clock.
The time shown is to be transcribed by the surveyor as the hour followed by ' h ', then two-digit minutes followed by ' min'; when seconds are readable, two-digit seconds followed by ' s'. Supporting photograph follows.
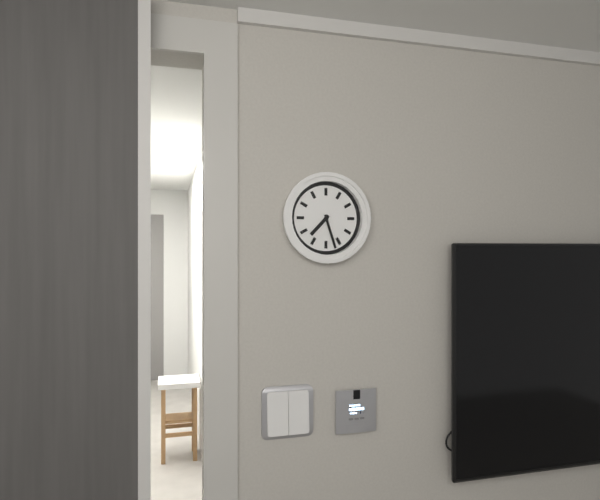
7 h 27 min
